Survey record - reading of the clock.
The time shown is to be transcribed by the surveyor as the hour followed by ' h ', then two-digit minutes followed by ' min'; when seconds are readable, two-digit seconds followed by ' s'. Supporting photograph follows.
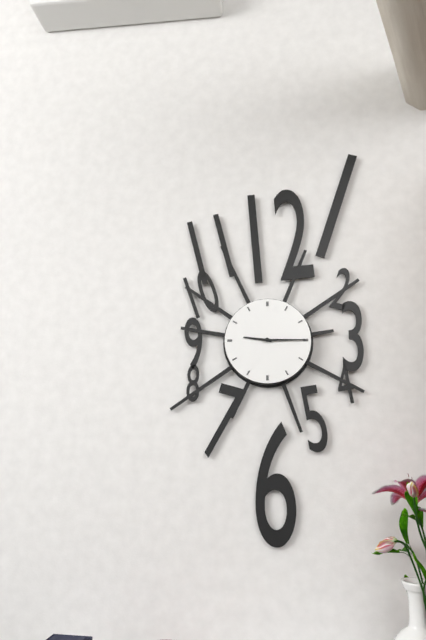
9 h 15 min
